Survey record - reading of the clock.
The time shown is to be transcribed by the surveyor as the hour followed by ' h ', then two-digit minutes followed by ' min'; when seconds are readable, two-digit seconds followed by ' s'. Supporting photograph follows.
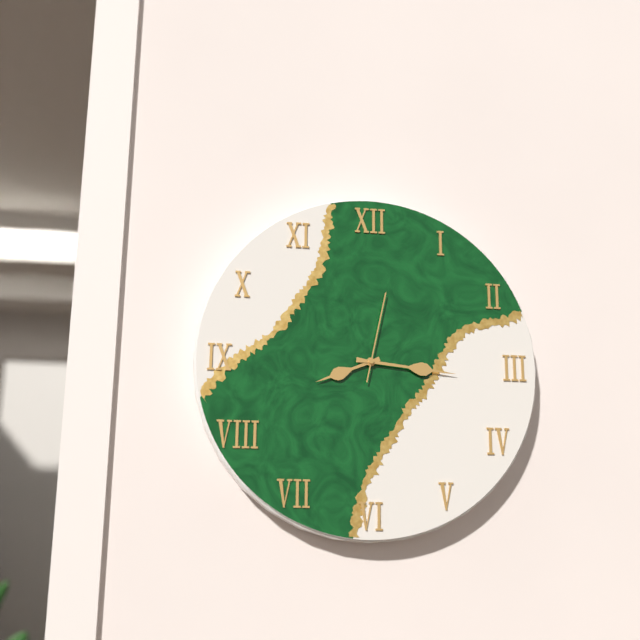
8 h 16 min 02 s
